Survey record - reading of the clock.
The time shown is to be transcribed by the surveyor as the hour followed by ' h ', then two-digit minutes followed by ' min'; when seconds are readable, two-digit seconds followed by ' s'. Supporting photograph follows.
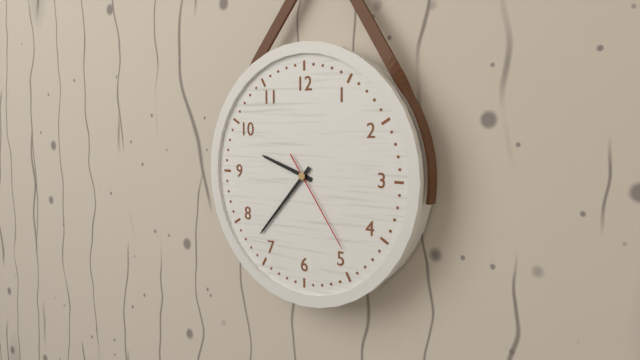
9 h 37 min 24 s
